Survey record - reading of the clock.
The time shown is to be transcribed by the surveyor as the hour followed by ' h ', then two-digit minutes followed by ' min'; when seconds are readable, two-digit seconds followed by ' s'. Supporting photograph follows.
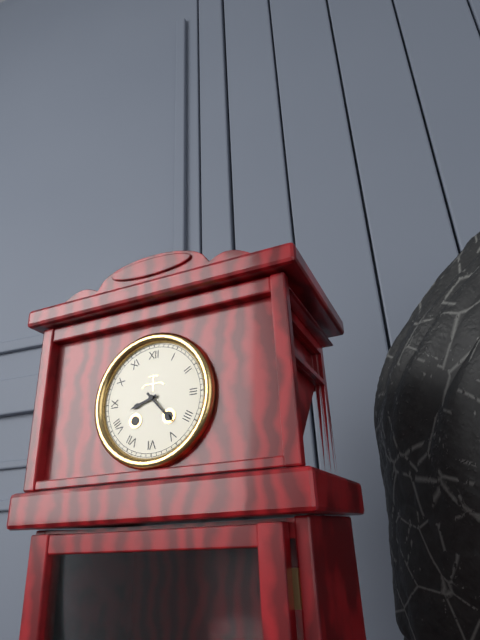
8 h 23 min
